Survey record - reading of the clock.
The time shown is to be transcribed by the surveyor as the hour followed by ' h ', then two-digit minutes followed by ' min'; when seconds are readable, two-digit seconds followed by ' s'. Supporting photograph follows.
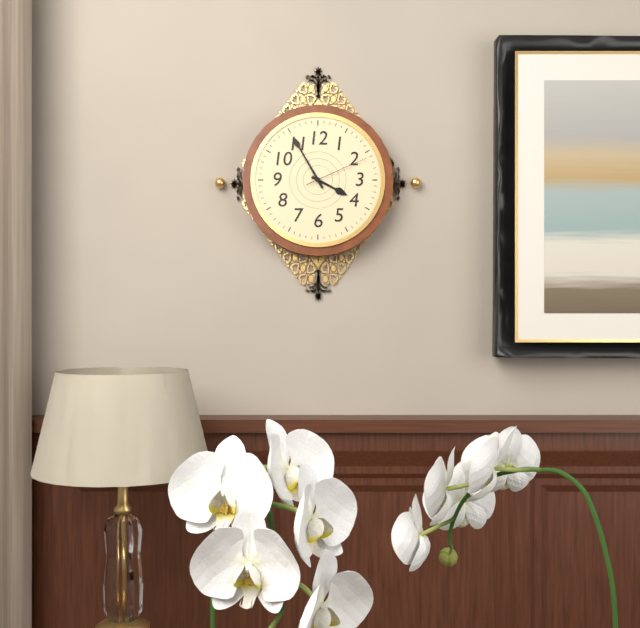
3 h 55 min 11 s
